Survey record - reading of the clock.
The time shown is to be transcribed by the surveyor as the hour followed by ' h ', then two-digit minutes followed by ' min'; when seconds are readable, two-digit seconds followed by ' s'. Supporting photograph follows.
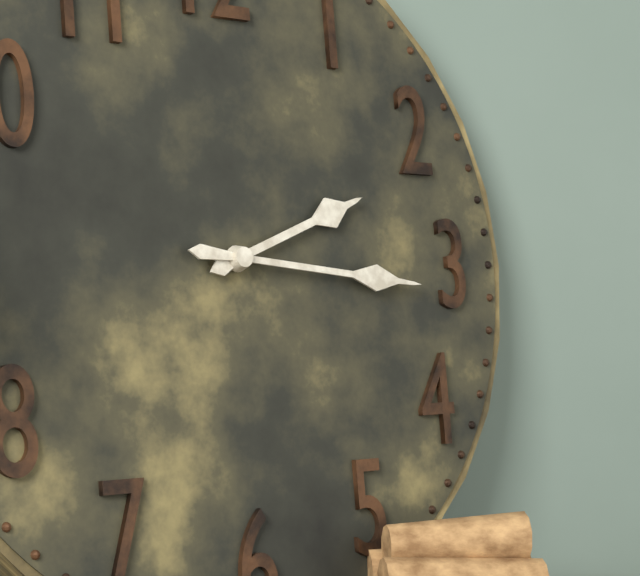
2 h 16 min
